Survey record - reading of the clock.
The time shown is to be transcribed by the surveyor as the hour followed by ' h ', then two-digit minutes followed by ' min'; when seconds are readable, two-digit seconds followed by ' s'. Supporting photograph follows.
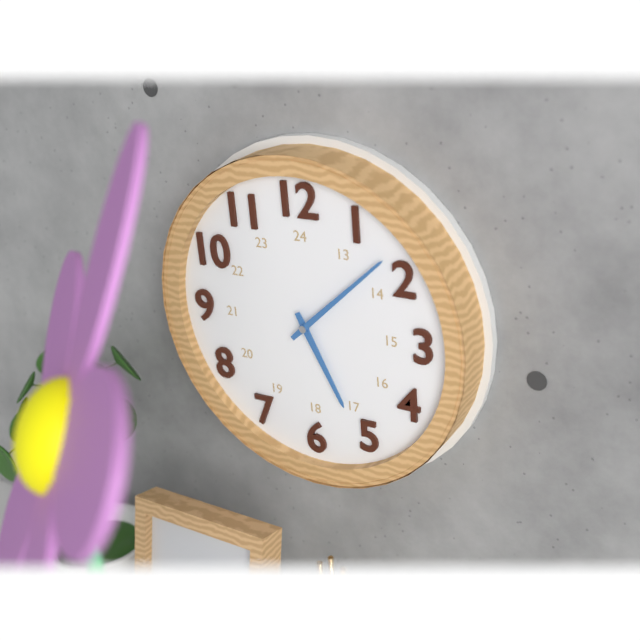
5 h 08 min
